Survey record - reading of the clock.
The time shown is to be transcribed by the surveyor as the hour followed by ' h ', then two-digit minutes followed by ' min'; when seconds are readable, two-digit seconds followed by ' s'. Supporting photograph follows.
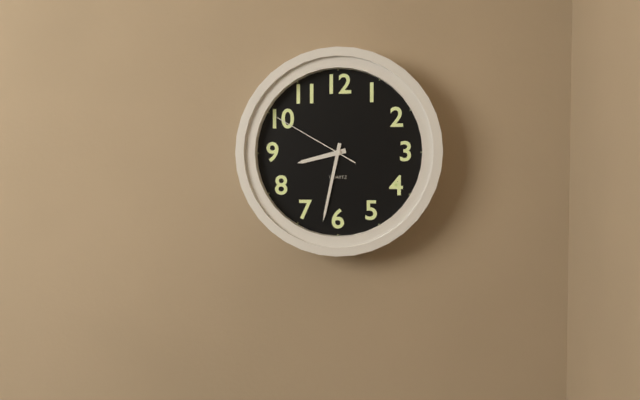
8 h 32 min 50 s
